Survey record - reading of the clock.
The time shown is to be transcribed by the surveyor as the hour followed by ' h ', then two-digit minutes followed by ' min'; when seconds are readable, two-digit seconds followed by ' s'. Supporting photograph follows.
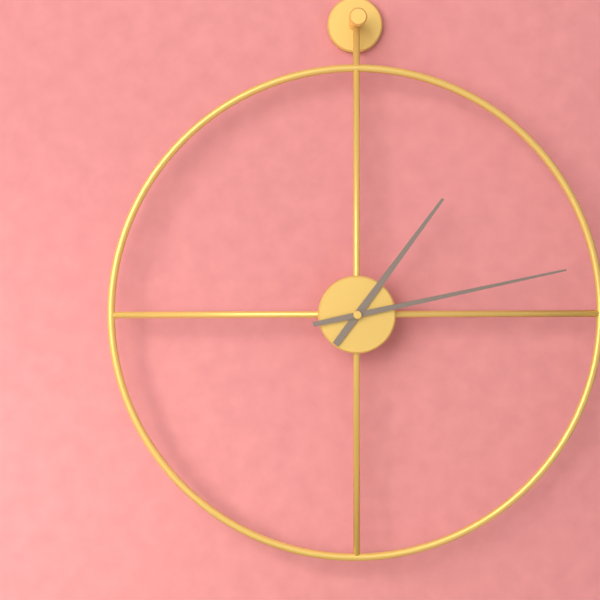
1 h 13 min
